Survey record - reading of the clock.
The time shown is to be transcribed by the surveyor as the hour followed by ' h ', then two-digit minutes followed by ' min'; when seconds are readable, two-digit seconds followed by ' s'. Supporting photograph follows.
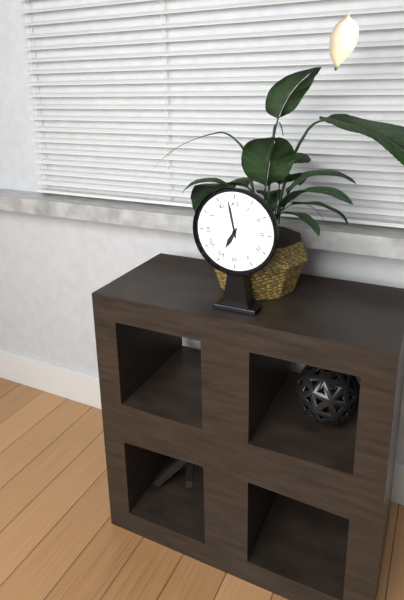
6 h 58 min
